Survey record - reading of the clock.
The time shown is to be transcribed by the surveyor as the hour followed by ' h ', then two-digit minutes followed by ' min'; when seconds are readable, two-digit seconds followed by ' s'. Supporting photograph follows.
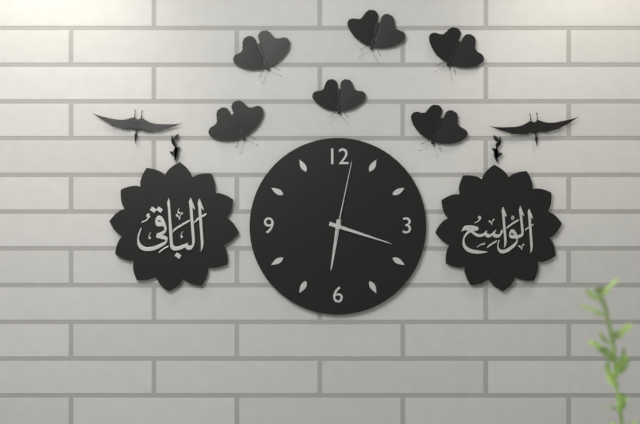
6 h 18 min 02 s
